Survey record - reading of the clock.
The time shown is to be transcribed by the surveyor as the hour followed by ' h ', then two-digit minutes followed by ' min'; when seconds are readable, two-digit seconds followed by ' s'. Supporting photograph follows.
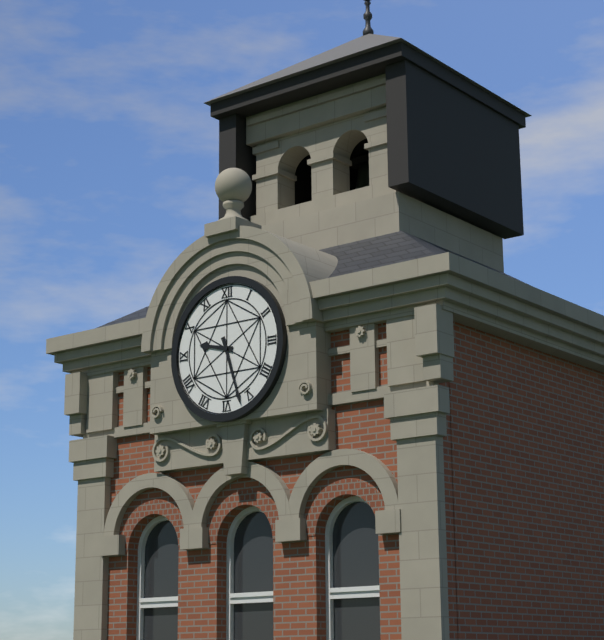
9 h 27 min
